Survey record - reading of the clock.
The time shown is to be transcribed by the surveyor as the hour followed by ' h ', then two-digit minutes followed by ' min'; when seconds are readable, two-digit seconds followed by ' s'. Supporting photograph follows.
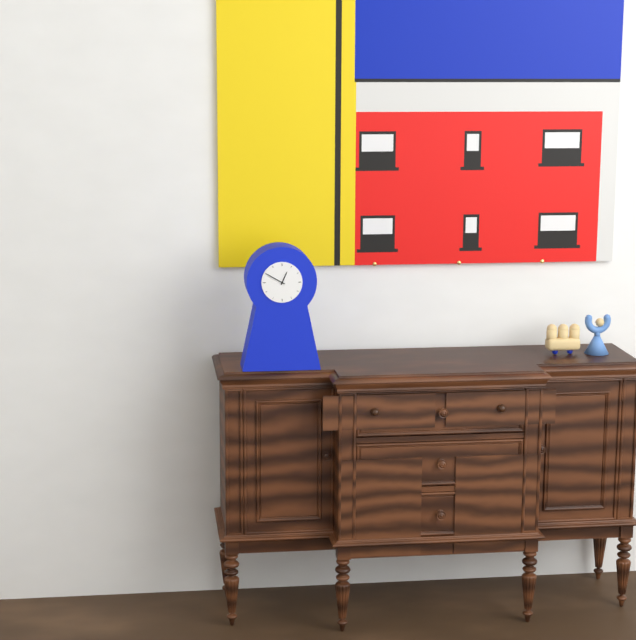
12 h 50 min
